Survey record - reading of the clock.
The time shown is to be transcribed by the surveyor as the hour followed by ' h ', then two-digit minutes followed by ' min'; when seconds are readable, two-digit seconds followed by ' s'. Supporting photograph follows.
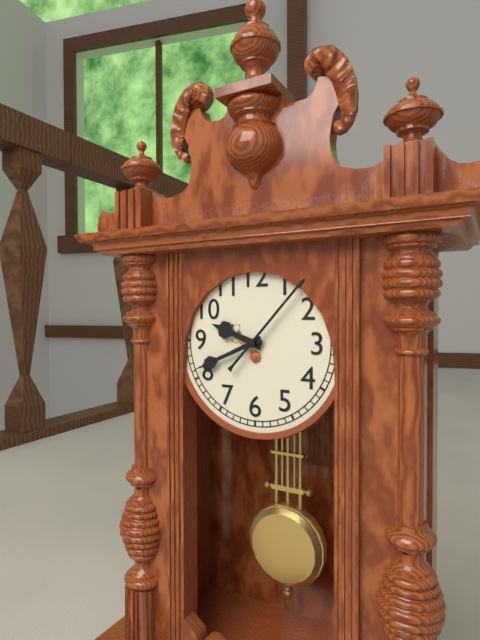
9 h 41 min 07 s
